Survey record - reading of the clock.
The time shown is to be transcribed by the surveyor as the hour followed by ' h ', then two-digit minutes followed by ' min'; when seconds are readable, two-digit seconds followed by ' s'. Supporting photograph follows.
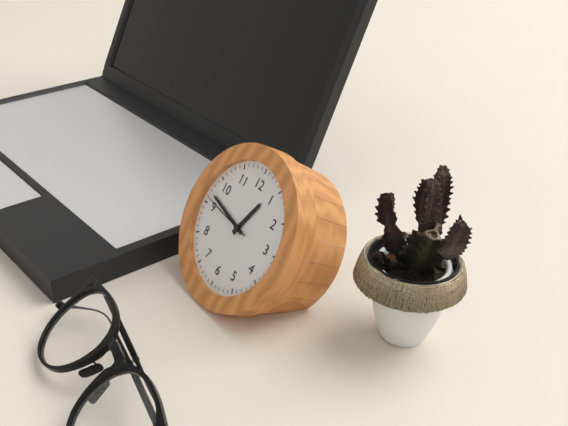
12 h 47 min 46 s
